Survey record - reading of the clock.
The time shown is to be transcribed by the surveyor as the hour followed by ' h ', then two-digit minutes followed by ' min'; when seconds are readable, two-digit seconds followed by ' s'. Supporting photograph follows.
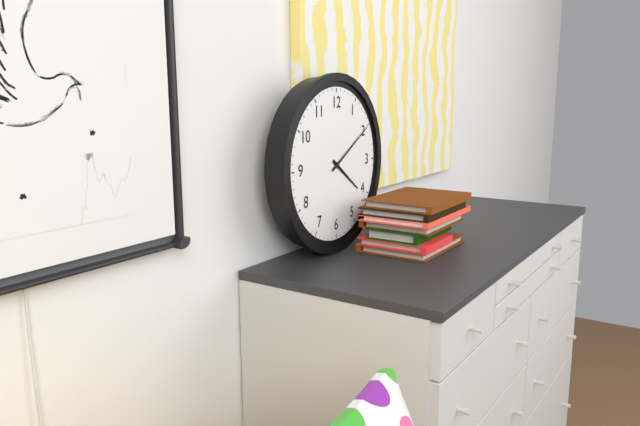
4 h 10 min
